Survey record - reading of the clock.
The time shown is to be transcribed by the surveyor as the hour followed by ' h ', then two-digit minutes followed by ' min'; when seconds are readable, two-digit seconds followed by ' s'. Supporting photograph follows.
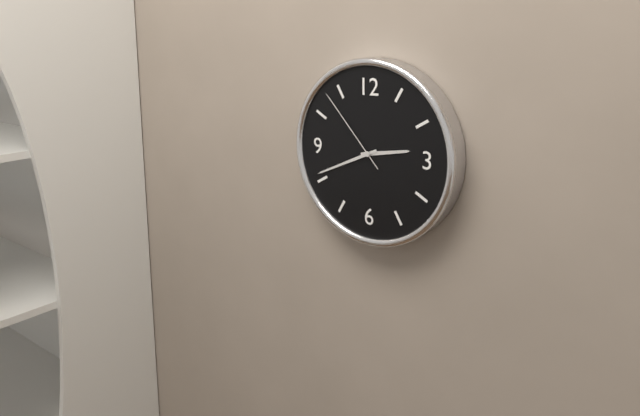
2 h 41 min 53 s
